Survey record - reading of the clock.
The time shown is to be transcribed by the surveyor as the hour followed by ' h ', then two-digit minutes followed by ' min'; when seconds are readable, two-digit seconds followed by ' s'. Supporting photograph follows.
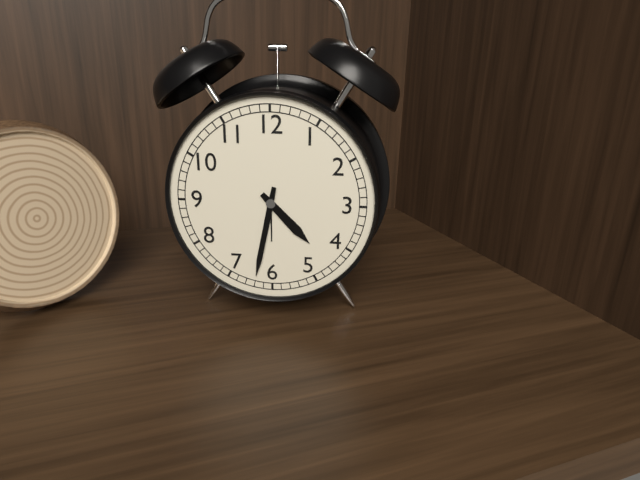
4 h 32 min
